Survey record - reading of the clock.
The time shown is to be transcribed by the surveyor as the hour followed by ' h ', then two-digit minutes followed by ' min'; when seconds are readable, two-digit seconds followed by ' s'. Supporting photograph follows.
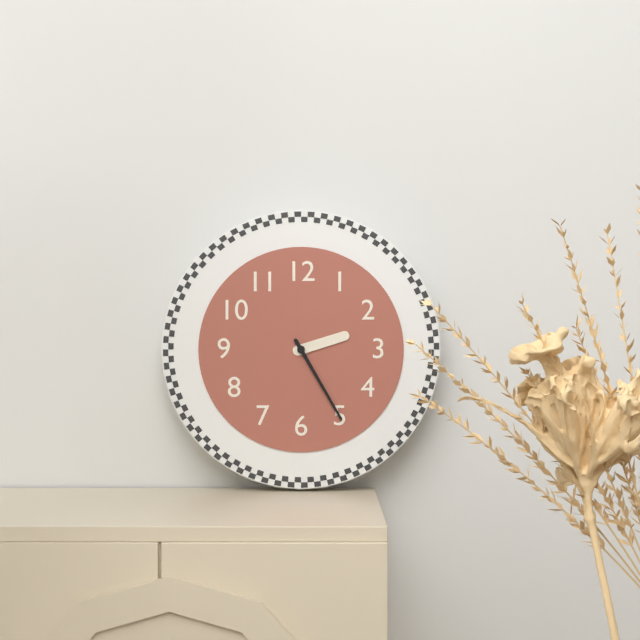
2 h 25 min
